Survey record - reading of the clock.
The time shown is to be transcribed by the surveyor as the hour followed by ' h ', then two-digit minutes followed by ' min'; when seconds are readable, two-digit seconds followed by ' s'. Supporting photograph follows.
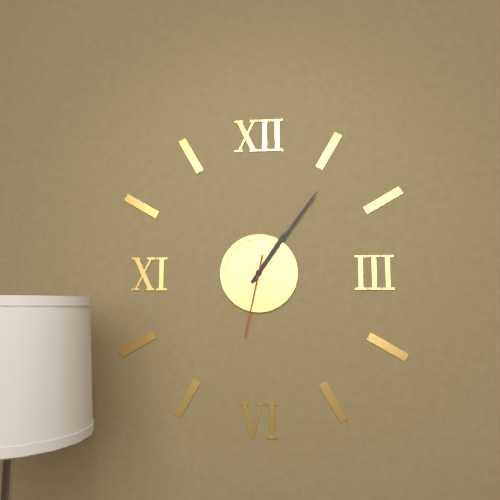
1 h 06 min 32 s
